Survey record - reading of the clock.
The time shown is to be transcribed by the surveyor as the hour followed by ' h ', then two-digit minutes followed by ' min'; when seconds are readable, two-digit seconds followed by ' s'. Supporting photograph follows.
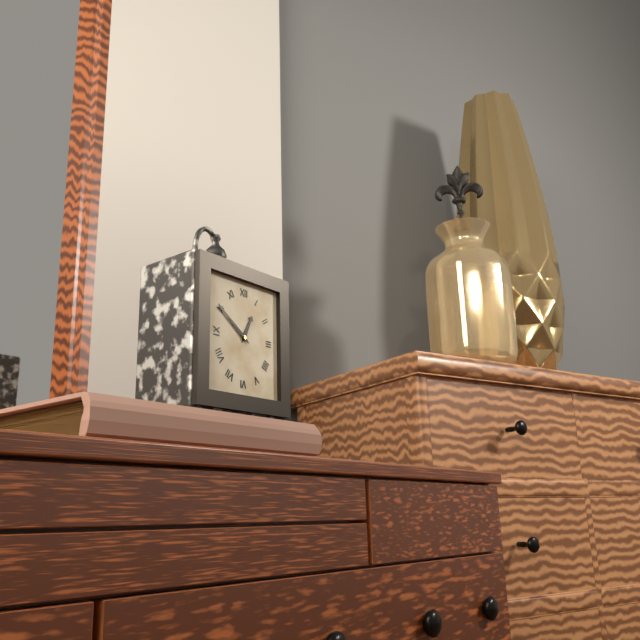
12 h 51 min
